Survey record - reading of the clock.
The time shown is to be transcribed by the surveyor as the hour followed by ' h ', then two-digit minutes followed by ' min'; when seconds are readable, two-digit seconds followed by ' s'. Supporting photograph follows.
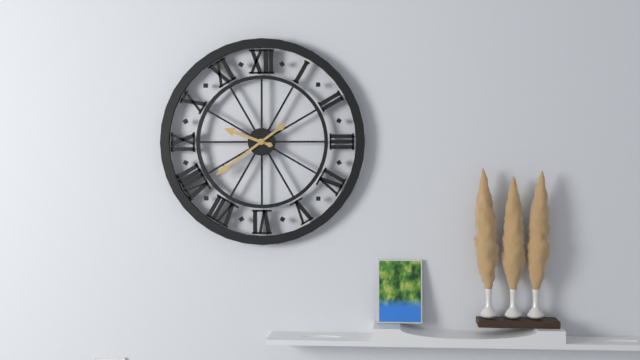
9 h 39 min
